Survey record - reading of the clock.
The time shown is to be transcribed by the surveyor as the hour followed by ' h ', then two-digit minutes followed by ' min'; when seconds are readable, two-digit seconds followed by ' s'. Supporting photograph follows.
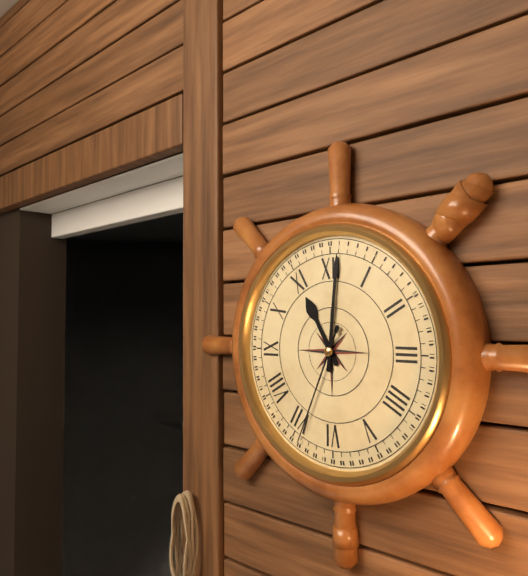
11 h 01 min 34 s
